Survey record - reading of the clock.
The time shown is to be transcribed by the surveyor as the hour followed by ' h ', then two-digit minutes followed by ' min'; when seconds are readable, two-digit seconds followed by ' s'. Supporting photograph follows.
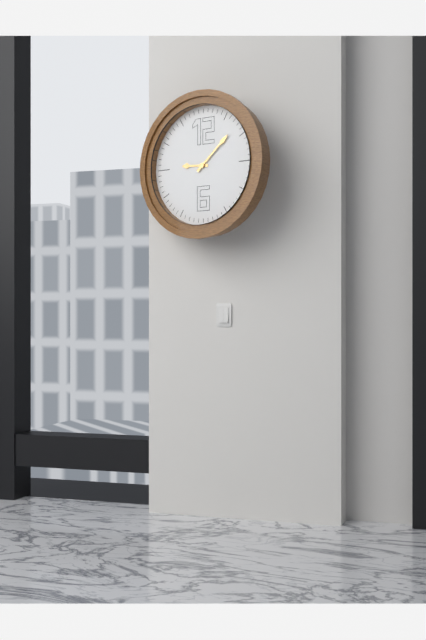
9 h 08 min
